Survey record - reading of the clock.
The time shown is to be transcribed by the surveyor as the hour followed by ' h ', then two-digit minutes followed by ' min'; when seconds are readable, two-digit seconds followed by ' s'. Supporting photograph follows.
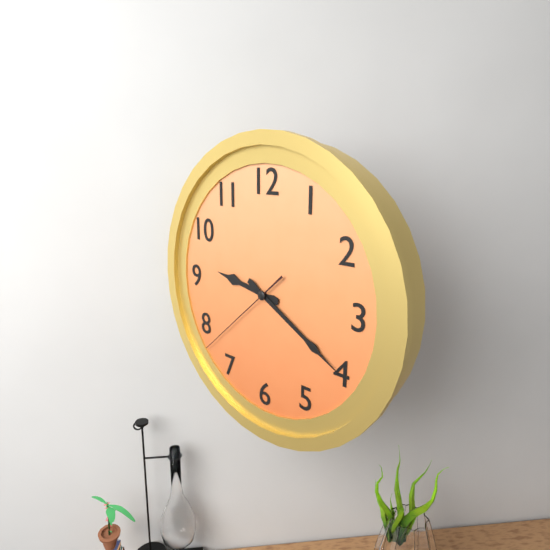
9 h 20 min 38 s
